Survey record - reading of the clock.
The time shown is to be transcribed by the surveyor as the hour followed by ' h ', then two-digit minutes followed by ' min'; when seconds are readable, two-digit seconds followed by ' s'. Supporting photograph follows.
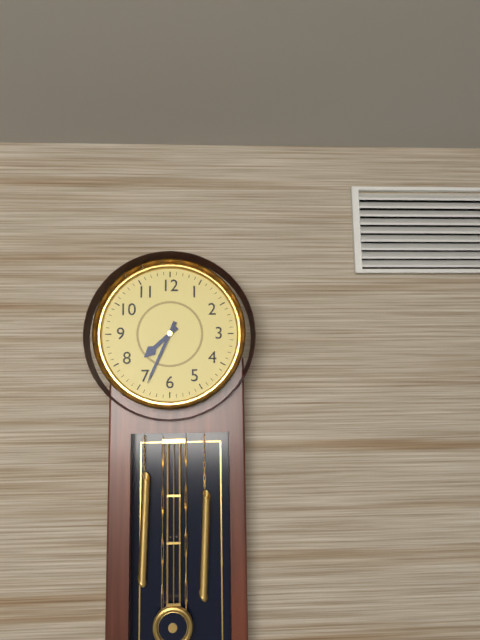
7 h 34 min
